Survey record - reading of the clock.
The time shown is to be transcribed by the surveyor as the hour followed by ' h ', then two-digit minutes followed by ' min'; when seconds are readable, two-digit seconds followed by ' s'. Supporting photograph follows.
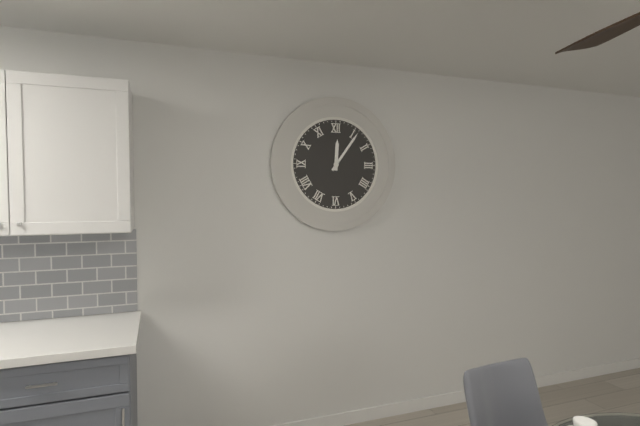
12 h 06 min
